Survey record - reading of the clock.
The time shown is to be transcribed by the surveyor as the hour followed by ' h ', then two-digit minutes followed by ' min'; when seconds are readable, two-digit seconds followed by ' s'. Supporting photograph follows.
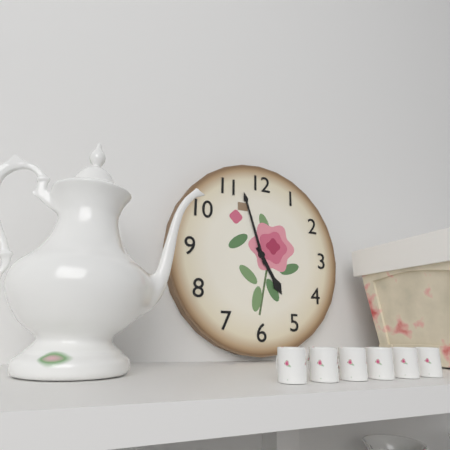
4 h 57 min
